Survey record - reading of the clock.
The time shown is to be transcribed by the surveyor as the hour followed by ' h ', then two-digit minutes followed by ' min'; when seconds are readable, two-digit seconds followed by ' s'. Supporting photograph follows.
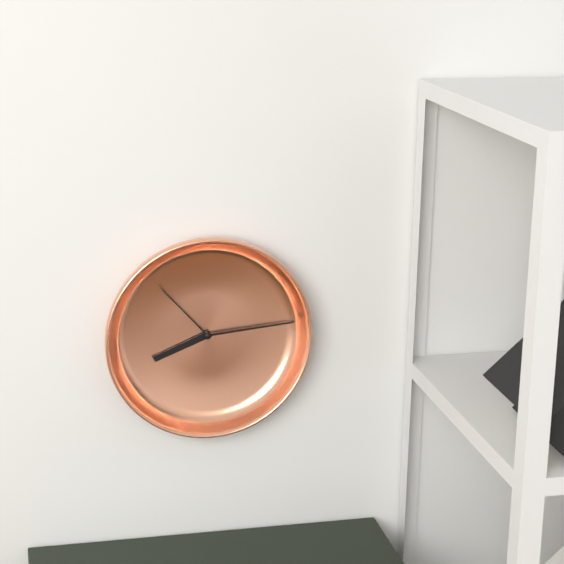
8 h 14 min 53 s
